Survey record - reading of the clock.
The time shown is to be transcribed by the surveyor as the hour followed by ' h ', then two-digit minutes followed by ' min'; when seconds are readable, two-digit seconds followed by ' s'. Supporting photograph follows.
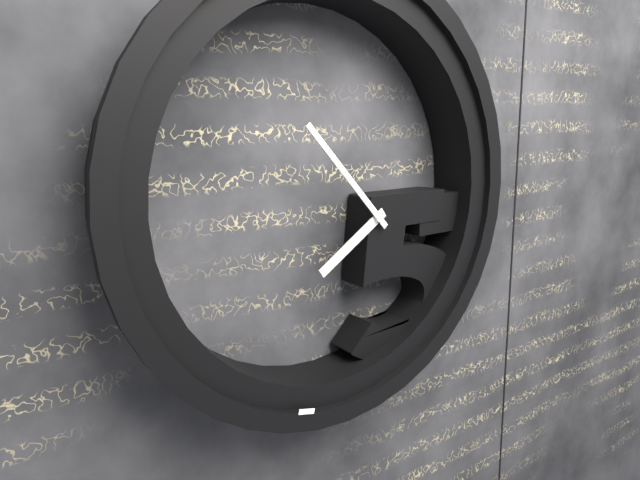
7 h 53 min
